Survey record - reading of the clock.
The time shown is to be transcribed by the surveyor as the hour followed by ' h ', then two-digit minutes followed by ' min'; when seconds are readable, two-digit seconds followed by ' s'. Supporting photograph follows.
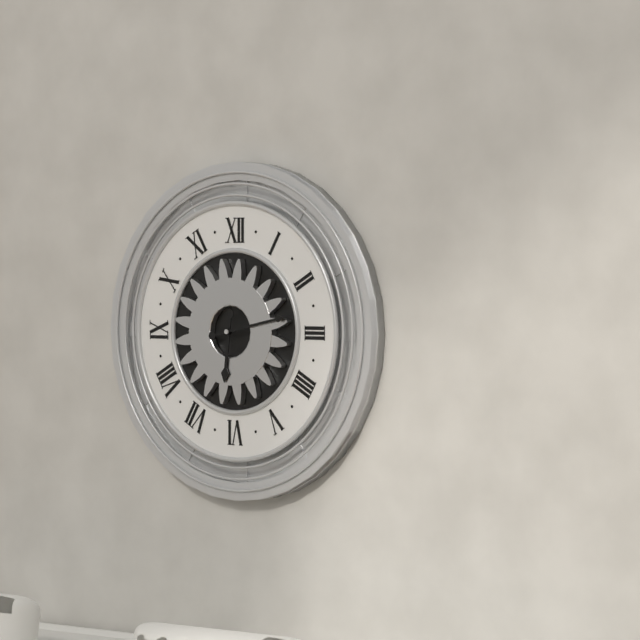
6 h 13 min
